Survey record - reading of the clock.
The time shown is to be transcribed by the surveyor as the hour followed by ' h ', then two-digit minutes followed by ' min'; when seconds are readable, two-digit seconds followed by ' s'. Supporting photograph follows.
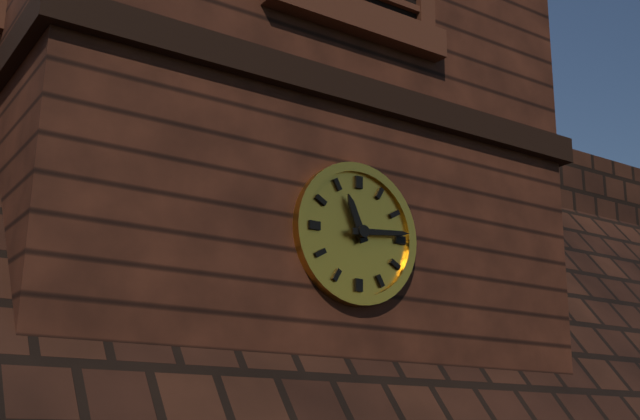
11 h 14 min
